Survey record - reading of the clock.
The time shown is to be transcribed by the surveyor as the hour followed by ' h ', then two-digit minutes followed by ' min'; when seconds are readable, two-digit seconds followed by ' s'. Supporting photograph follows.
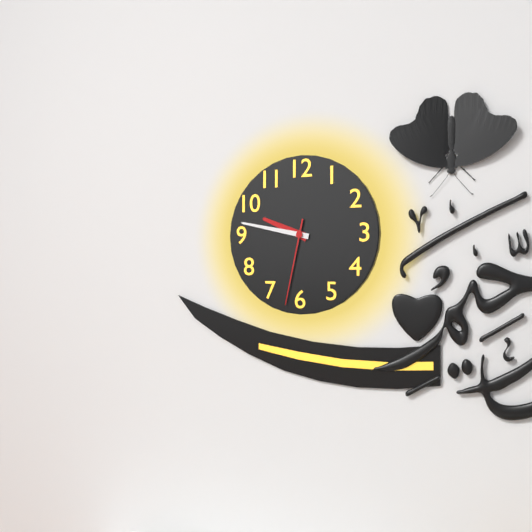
9 h 47 min 32 s
